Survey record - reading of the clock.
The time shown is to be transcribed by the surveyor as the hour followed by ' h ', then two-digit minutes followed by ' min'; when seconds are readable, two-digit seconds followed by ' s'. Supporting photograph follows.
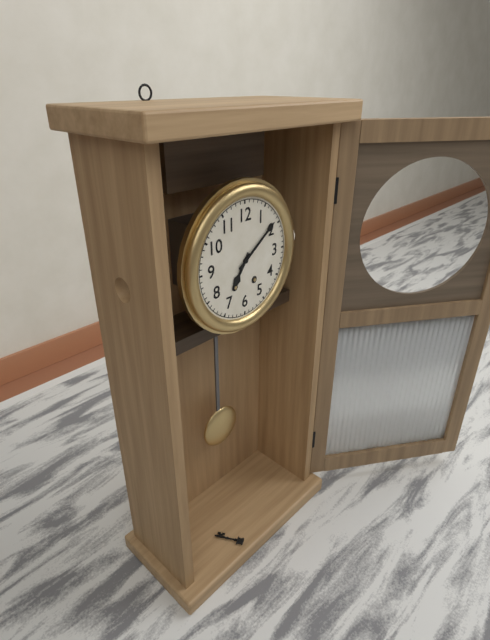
7 h 09 min
